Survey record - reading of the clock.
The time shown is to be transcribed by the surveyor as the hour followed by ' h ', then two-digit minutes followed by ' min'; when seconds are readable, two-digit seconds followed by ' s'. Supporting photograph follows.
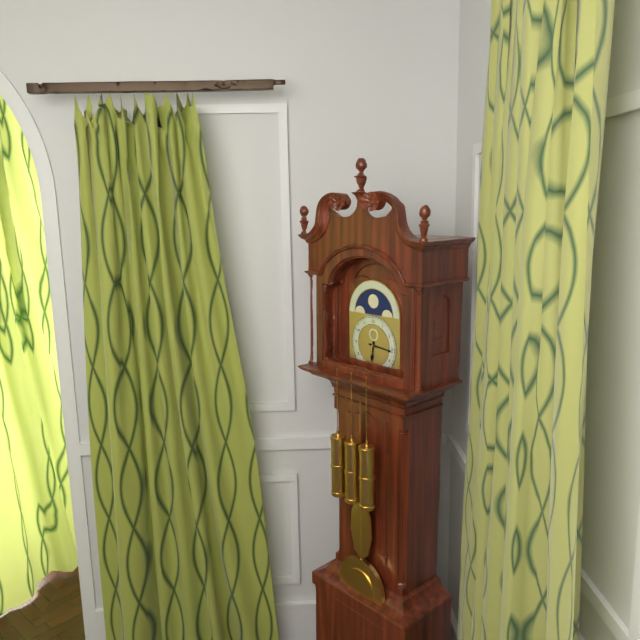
6 h 16 min
